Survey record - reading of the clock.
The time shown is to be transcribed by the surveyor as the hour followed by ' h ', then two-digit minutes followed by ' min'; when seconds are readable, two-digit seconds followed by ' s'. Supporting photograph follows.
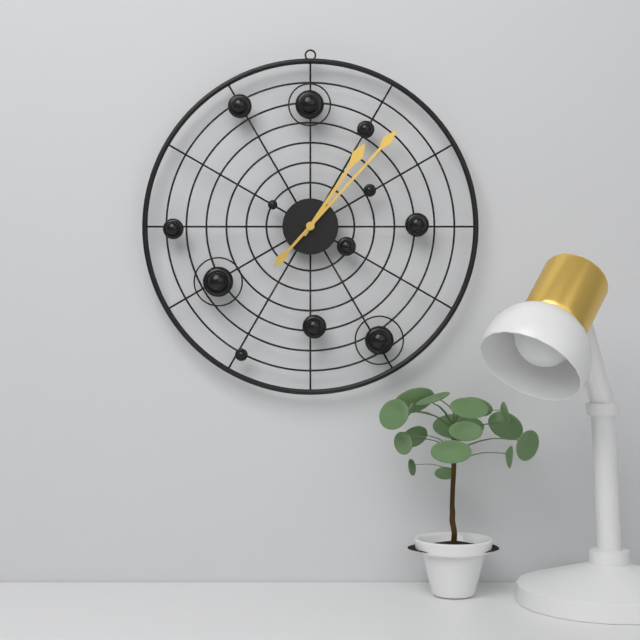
1 h 07 min
